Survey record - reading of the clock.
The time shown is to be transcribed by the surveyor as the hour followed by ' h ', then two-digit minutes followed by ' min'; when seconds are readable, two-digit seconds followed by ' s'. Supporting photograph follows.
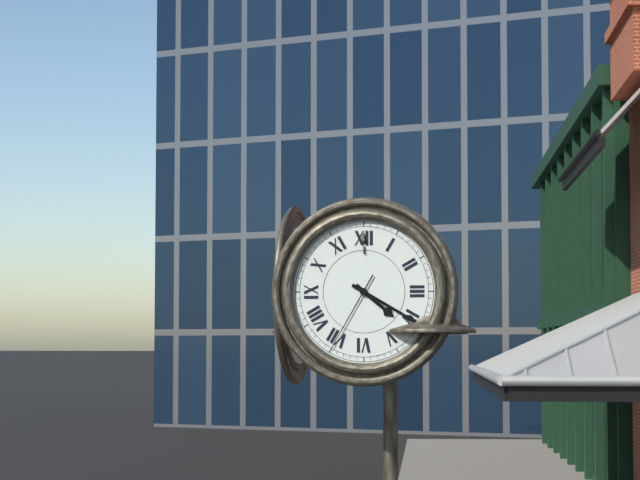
4 h 20 min 35 s
